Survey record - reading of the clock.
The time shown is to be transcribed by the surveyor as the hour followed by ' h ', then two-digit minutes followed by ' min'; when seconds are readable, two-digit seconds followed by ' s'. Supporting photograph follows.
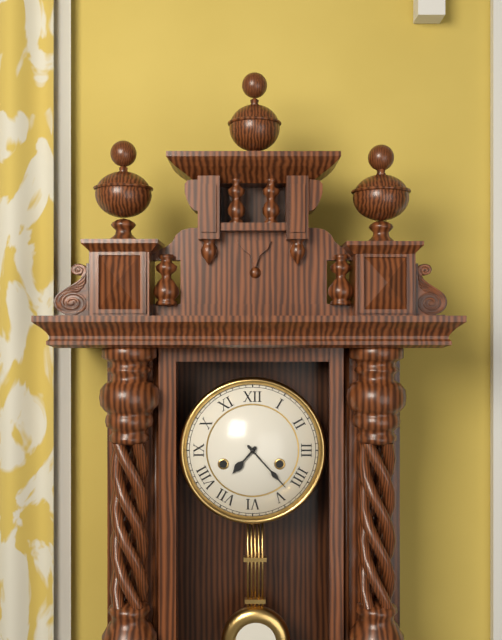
7 h 23 min
